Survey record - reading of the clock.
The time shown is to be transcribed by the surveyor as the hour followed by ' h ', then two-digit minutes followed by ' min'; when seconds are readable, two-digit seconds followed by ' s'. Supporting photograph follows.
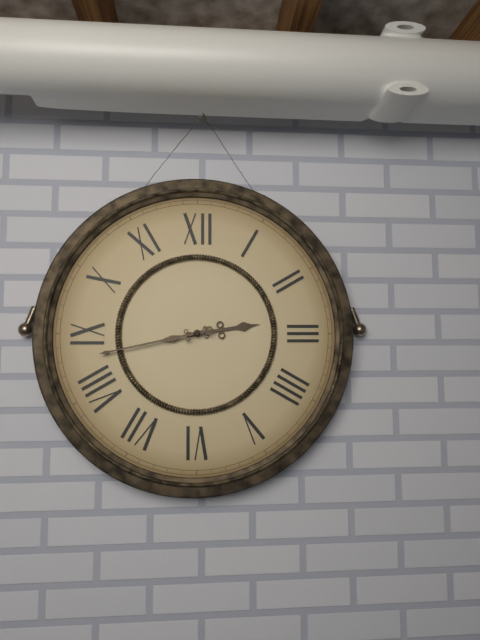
2 h 43 min
